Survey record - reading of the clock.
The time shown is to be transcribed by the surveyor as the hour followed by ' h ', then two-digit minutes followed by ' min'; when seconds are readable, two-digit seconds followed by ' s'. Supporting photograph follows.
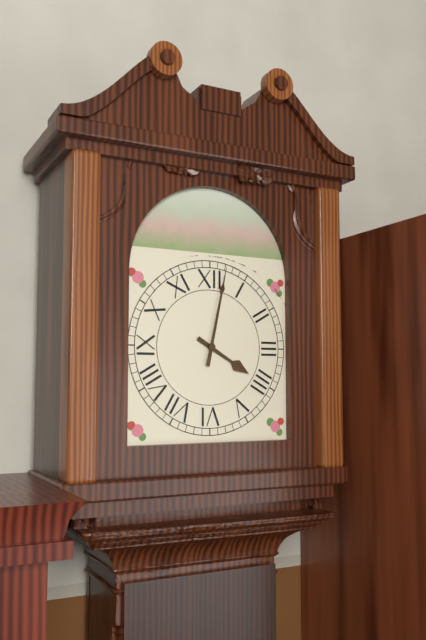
4 h 02 min
